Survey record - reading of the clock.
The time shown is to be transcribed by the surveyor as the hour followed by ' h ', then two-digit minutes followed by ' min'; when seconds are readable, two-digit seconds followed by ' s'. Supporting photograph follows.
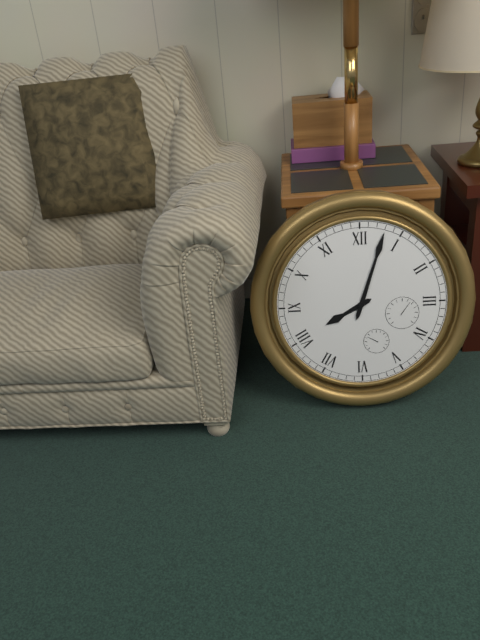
8 h 03 min
